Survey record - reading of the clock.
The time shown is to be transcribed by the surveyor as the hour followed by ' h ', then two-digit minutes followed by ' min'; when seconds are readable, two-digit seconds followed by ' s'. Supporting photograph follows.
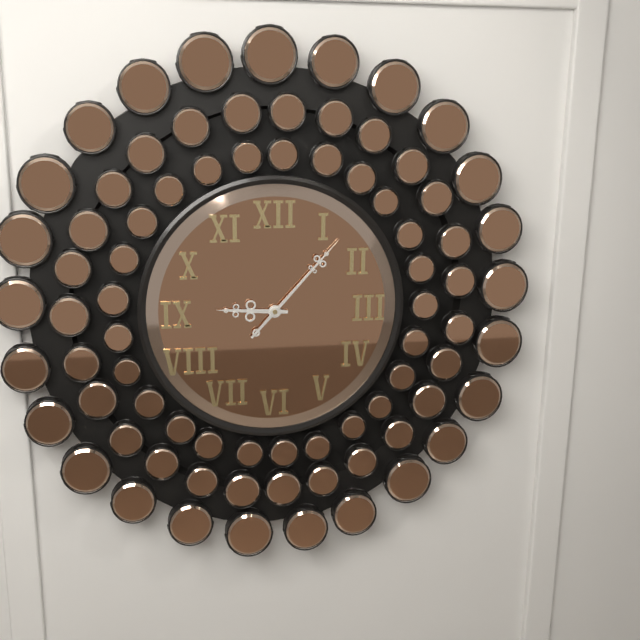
9 h 07 min
